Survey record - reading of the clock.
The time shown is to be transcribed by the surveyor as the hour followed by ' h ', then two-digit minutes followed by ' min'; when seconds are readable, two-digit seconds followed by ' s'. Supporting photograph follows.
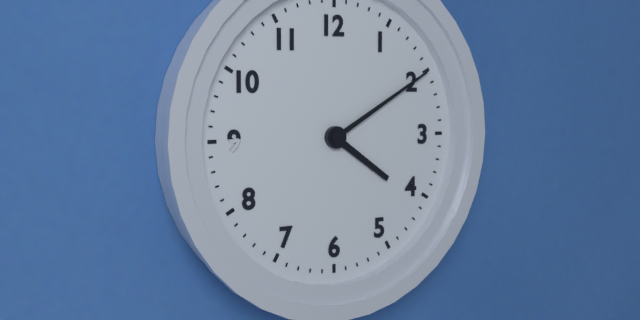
4 h 10 min
